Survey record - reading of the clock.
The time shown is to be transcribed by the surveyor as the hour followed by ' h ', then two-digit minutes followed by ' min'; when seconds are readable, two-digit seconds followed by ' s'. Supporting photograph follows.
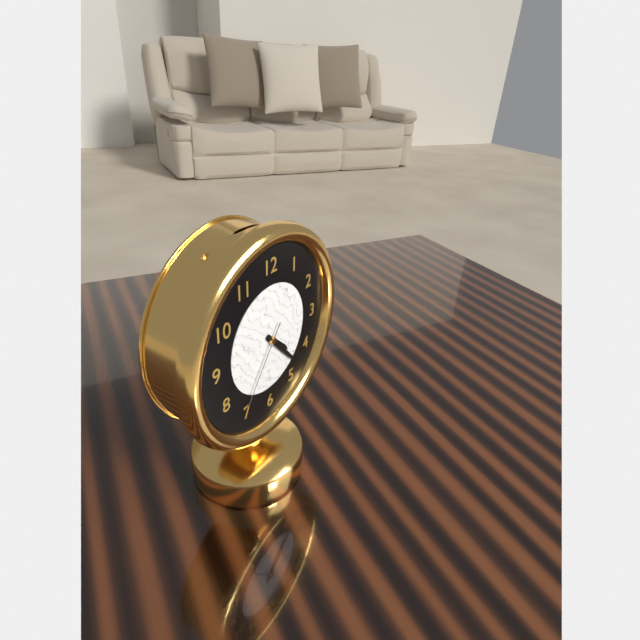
4 h 23 min 36 s
